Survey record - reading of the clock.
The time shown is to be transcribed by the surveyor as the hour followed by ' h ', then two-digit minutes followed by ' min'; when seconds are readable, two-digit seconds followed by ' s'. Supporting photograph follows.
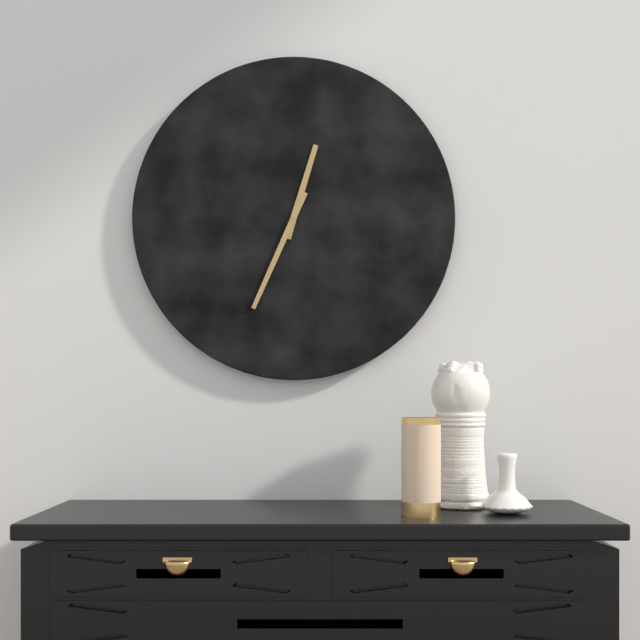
12 h 34 min
